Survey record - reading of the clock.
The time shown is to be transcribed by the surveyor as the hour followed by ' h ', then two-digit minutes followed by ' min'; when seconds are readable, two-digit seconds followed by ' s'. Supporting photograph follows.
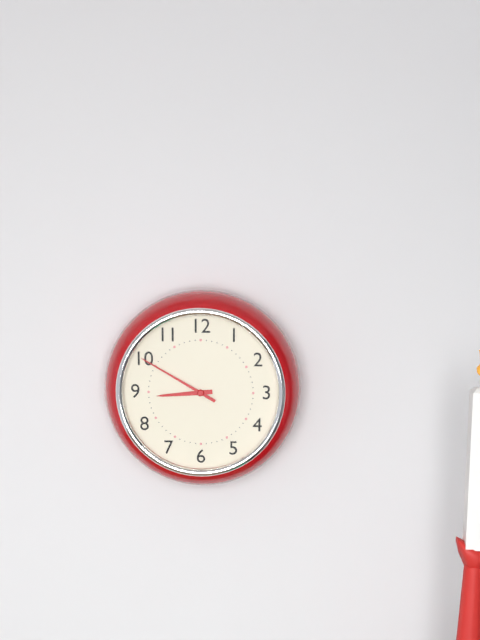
8 h 50 min
